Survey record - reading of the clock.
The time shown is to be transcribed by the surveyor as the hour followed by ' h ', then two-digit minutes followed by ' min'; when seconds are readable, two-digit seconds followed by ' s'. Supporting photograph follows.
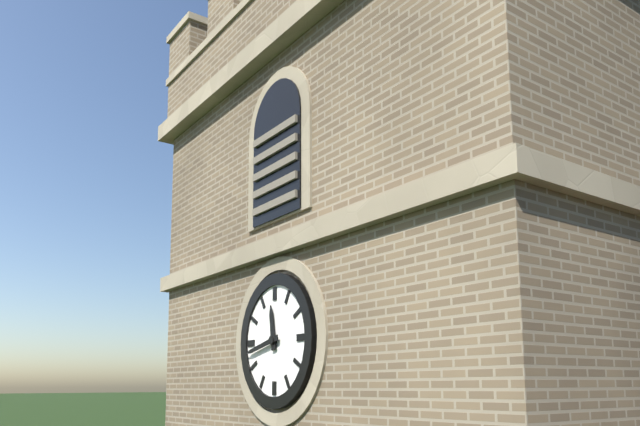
11 h 43 min
